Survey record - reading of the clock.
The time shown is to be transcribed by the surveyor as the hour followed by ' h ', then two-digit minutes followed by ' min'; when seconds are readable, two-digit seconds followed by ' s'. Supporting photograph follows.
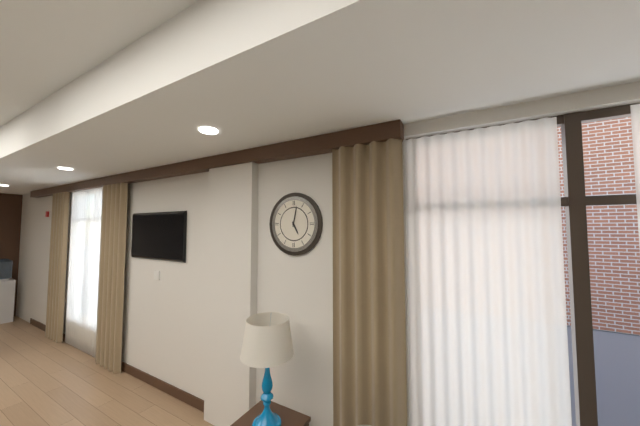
5 h 02 min
